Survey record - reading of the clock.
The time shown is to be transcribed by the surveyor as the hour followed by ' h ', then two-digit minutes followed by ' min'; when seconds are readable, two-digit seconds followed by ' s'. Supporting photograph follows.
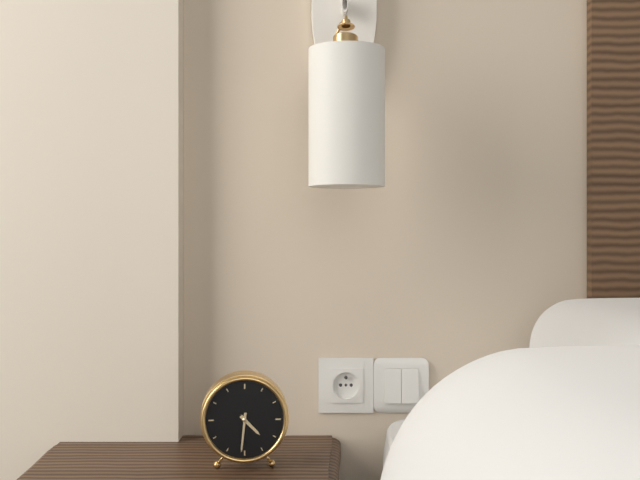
4 h 31 min
